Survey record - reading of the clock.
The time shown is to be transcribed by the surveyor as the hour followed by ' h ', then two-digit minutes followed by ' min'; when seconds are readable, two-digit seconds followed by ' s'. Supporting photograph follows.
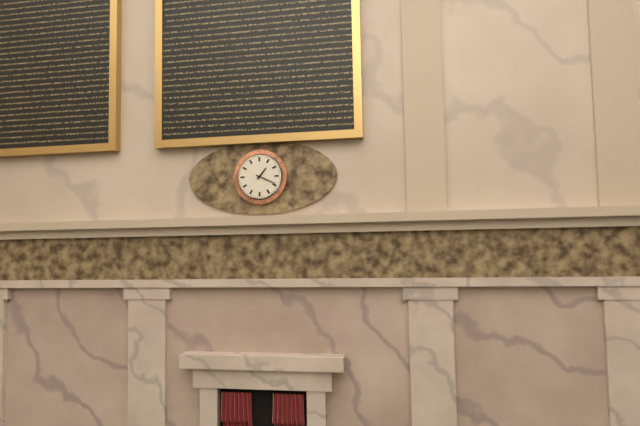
1 h 19 min
